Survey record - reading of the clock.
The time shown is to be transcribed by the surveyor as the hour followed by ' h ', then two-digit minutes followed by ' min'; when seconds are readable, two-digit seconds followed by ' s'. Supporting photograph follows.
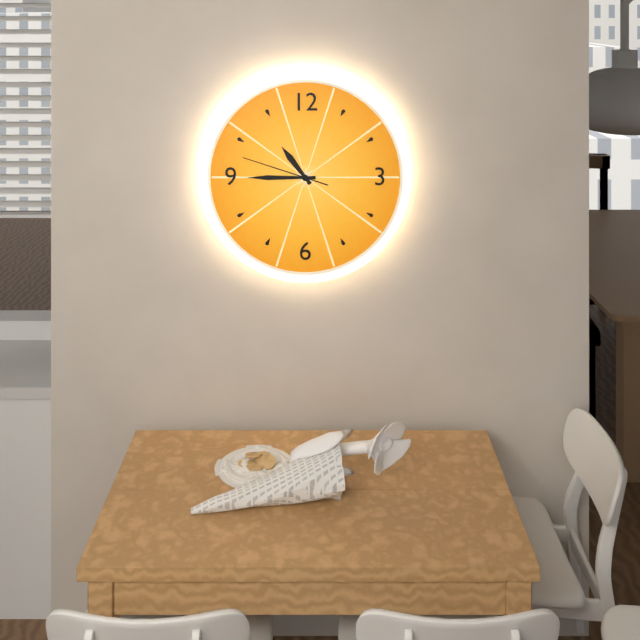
10 h 45 min 48 s
